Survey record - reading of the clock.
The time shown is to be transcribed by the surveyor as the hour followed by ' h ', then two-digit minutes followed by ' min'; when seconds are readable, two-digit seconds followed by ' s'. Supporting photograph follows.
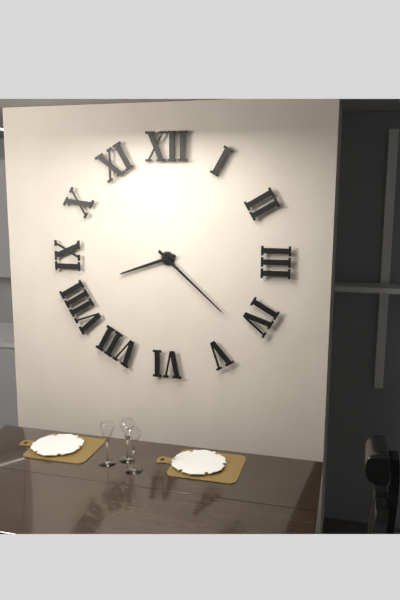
8 h 22 min
